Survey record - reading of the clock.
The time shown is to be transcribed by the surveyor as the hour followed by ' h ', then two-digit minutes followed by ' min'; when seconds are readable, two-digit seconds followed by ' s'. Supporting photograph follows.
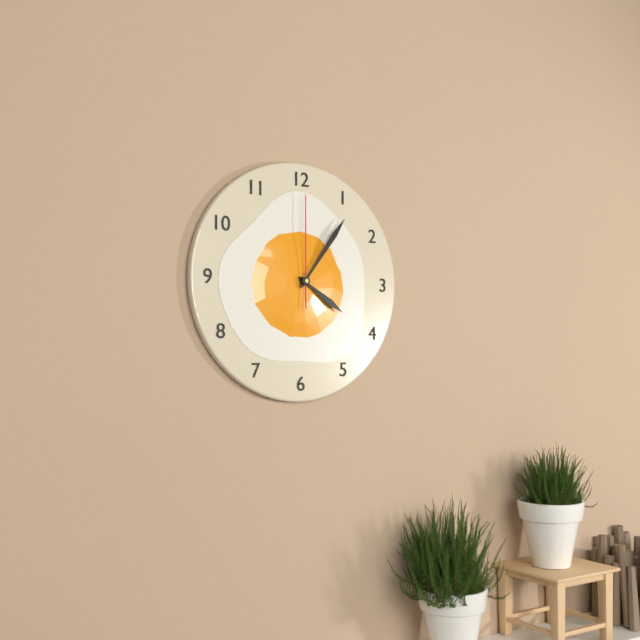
4 h 06 min 00 s
